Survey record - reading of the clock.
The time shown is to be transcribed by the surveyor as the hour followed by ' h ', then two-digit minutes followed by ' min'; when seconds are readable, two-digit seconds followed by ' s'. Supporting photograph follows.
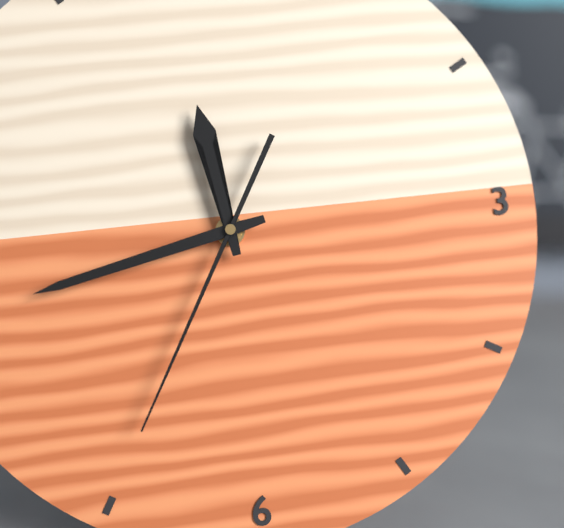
11 h 43 min 35 s
